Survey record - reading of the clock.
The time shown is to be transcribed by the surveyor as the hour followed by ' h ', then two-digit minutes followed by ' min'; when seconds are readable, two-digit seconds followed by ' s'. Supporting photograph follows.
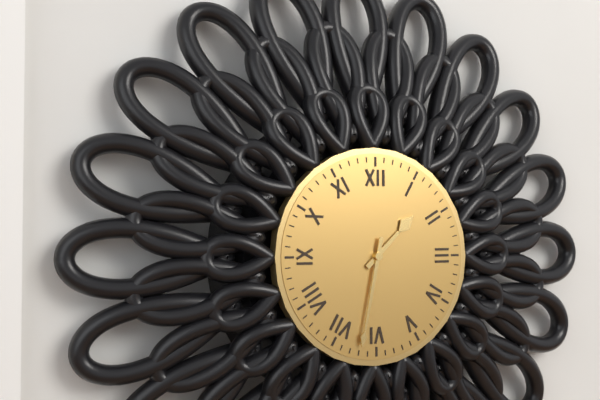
1 h 32 min
